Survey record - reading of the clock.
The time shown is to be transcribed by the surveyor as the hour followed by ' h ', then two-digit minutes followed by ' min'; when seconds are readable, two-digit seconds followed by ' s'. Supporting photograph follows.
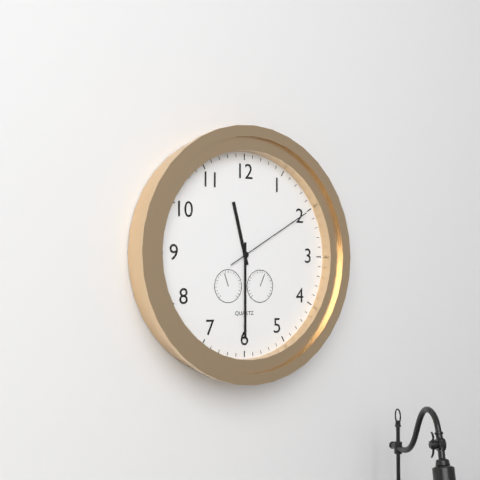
11 h 30 min 10 s
